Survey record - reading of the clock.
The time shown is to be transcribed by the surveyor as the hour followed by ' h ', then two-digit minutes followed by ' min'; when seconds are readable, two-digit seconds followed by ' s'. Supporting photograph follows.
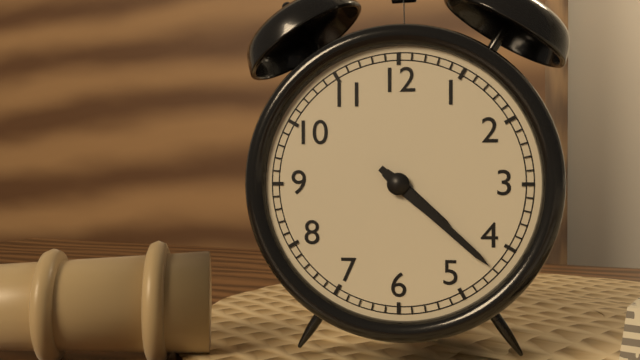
4 h 22 min
